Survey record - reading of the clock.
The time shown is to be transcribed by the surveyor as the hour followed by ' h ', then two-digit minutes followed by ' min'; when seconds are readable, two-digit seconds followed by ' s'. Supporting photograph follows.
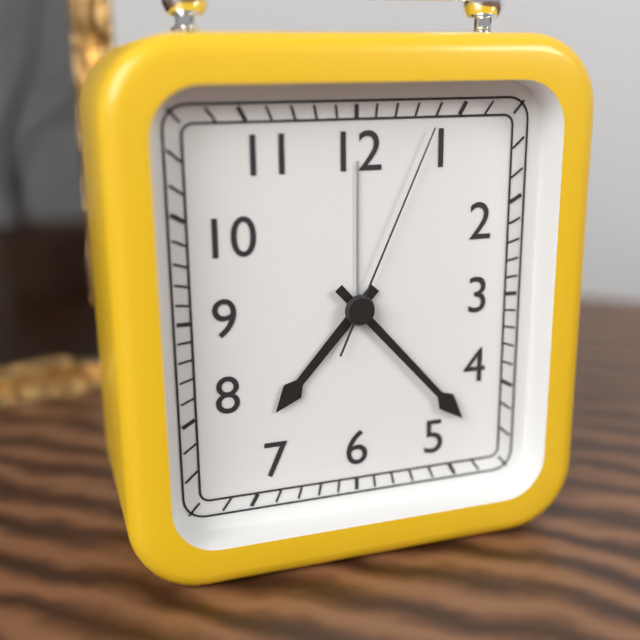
7 h 23 min 04 s
